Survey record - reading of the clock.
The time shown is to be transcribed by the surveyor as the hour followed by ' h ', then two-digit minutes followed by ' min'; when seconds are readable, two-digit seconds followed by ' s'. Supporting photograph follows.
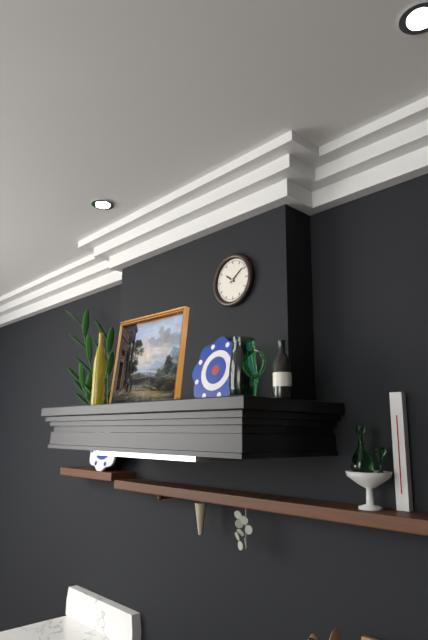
10 h 09 min
